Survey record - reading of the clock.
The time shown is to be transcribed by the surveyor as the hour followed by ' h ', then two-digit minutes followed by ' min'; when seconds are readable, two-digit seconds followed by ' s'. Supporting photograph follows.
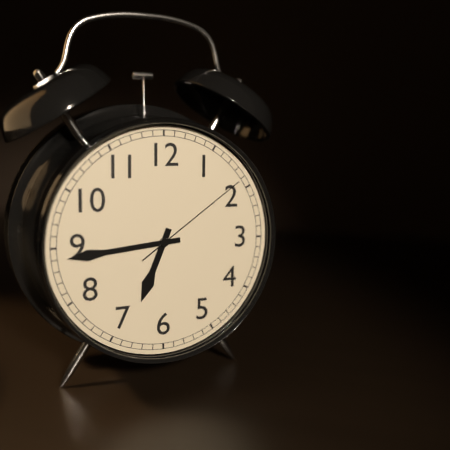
6 h 44 min 09 s
